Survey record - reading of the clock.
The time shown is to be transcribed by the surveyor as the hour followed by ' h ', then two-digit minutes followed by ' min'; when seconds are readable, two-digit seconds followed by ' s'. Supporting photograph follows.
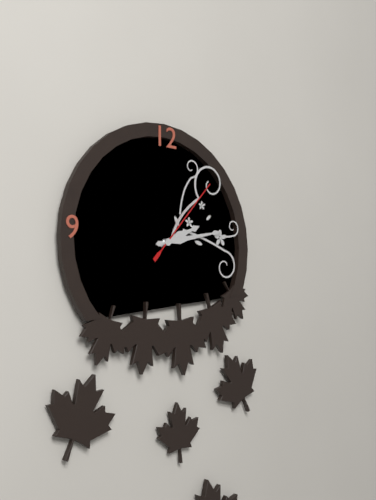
2 h 13 min 07 s
